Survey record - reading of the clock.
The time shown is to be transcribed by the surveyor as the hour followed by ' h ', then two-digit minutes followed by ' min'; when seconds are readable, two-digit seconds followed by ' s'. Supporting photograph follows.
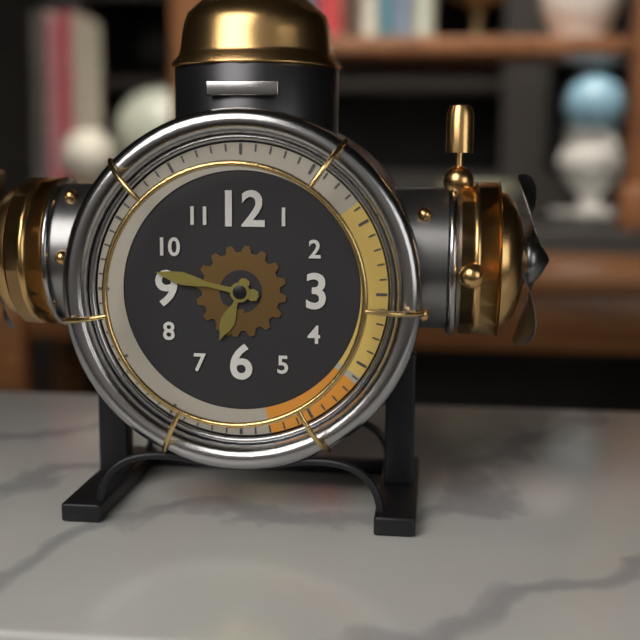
6 h 47 min
